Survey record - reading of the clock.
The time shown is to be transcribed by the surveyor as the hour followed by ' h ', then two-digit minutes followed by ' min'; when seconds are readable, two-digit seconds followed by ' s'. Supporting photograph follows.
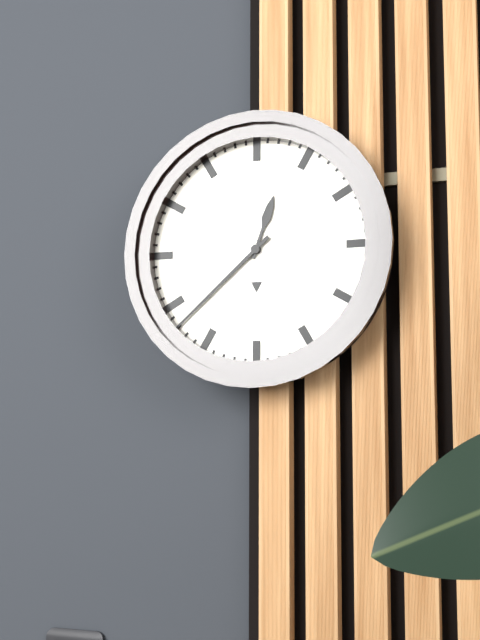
12 h 38 min
